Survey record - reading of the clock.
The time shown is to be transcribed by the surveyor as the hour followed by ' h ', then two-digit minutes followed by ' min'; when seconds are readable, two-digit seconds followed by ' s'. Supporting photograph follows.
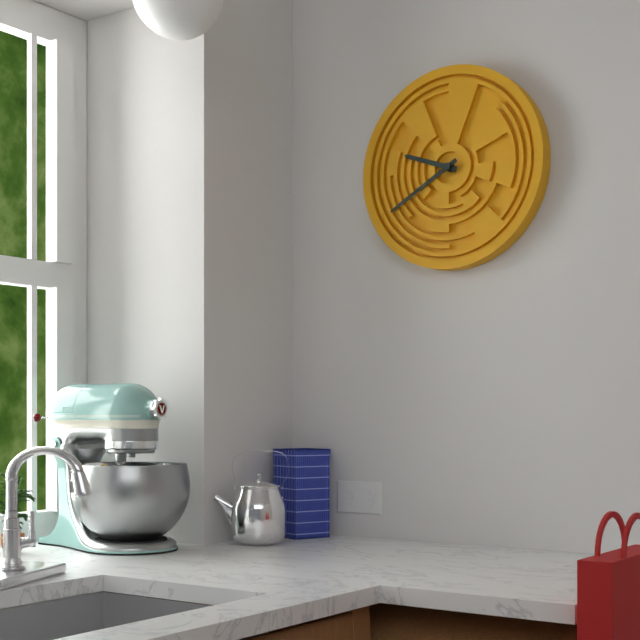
9 h 40 min
